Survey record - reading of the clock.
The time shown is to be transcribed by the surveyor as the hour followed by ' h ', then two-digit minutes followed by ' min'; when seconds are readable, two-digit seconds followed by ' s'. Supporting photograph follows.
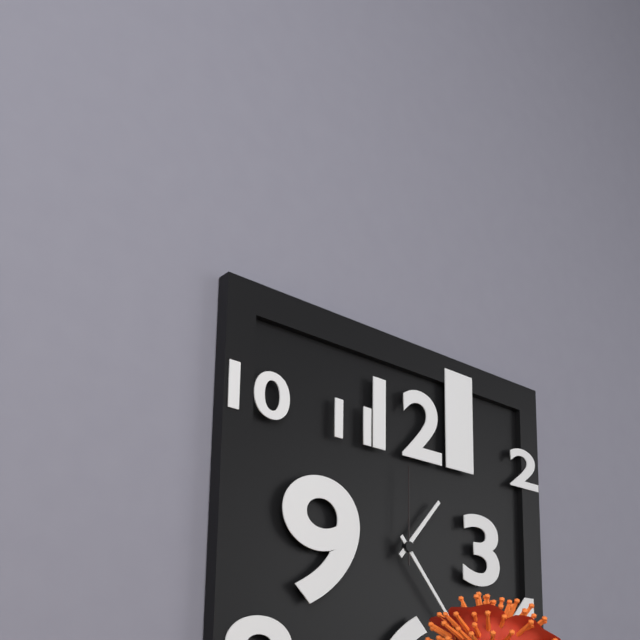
1 h 23 min 00 s
